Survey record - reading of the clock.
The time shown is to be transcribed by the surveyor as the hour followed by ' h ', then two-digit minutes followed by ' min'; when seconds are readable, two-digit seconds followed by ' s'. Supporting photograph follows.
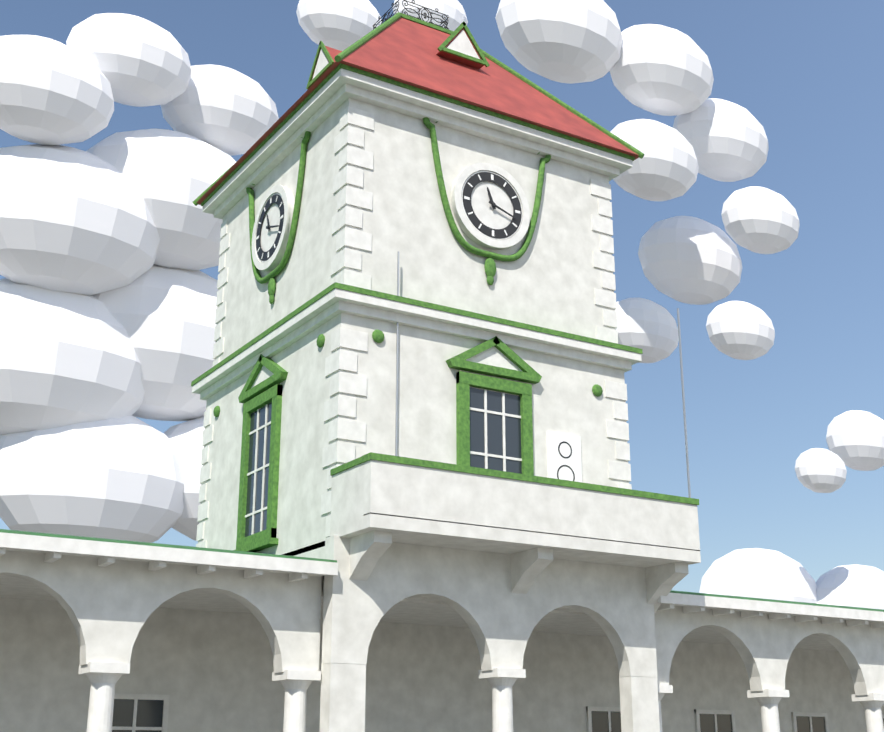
11 h 18 min
